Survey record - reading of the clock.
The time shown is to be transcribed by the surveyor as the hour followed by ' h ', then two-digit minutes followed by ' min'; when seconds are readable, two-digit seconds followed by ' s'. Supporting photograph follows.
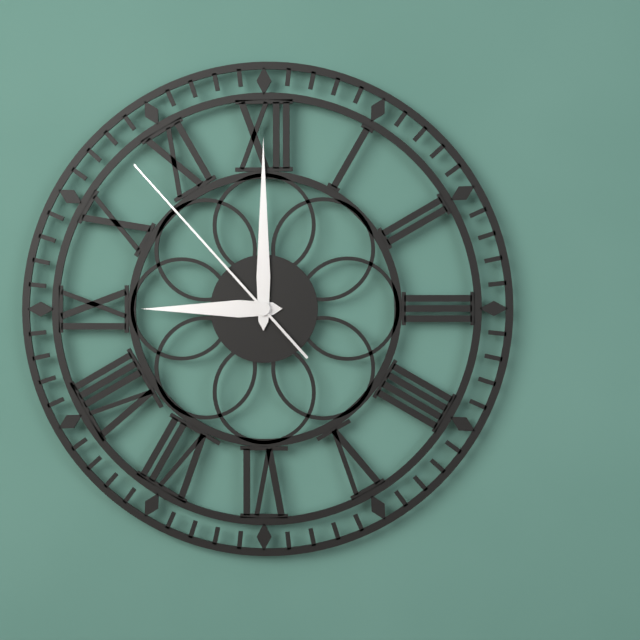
9 h 00 min 53 s
